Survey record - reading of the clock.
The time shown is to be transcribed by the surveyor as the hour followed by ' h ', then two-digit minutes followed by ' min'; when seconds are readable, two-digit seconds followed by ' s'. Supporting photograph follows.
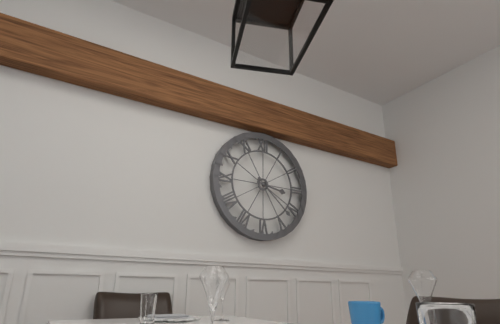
3 h 22 min
